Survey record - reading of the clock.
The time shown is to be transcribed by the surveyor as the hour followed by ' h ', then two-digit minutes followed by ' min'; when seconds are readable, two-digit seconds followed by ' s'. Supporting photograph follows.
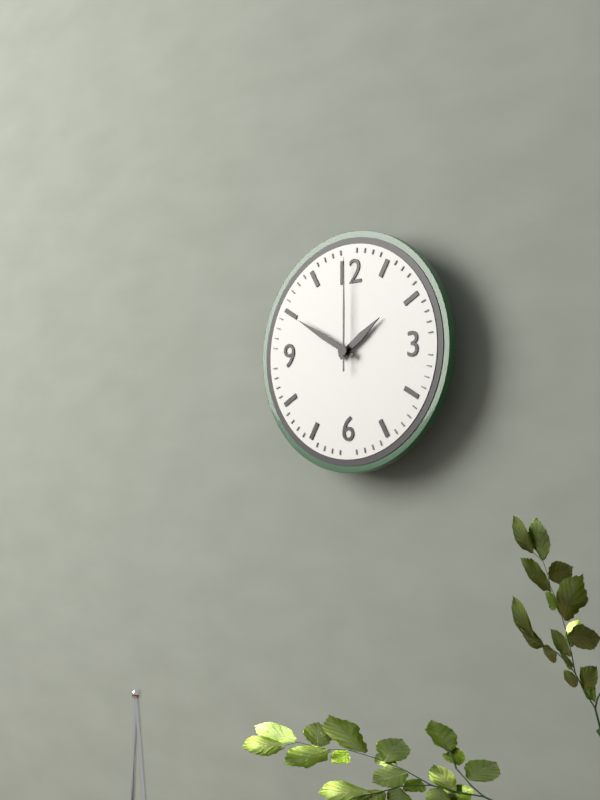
1 h 50 min 00 s
